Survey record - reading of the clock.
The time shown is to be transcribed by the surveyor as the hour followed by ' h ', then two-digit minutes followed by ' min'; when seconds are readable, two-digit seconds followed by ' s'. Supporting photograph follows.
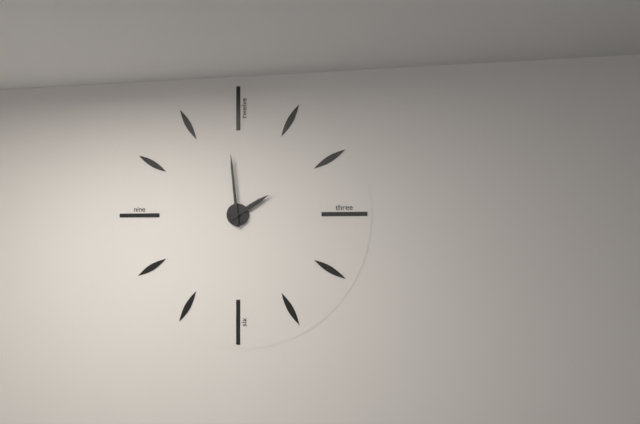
1 h 59 min
